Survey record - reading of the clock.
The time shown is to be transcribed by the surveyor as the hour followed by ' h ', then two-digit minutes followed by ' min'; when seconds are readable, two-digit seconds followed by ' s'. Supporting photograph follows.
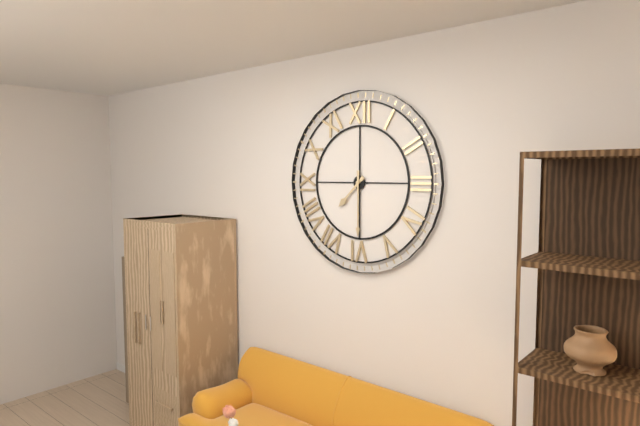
7 h 30 min
